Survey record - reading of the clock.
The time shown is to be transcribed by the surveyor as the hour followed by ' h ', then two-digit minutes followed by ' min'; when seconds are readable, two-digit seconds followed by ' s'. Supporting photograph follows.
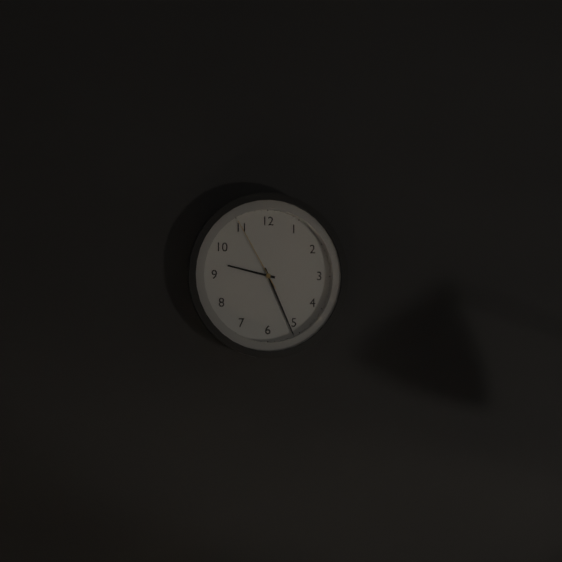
9 h 26 min 55 s
